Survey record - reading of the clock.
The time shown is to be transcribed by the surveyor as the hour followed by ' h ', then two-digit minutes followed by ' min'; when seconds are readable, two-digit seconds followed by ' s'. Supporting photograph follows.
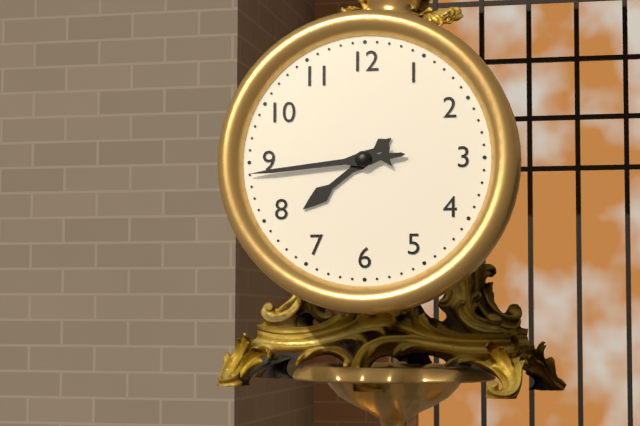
7 h 44 min
